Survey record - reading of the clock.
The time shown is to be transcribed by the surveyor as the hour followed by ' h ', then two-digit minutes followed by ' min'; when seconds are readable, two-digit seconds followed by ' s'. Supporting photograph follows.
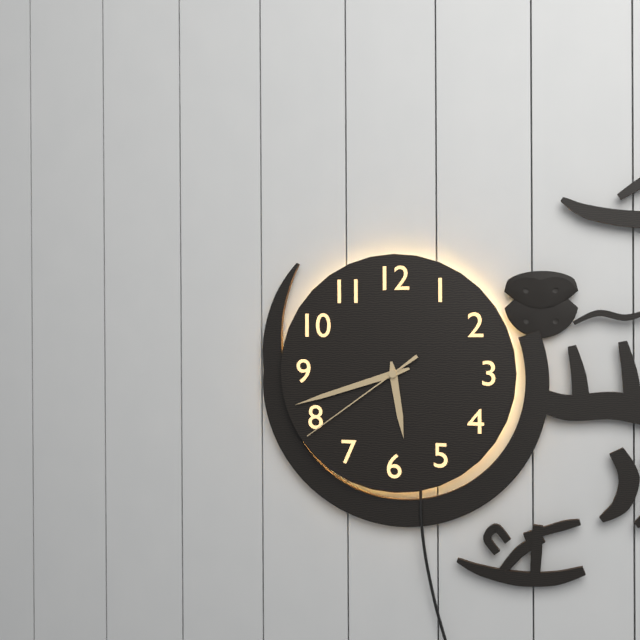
5 h 42 min 39 s
